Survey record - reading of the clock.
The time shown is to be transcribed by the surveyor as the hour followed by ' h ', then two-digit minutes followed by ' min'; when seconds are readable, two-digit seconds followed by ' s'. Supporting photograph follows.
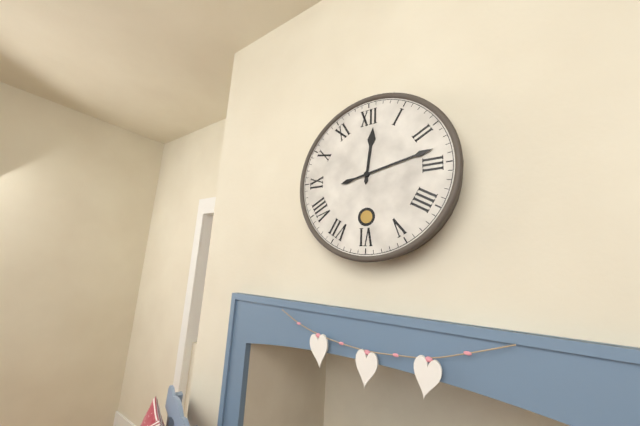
12 h 13 min
